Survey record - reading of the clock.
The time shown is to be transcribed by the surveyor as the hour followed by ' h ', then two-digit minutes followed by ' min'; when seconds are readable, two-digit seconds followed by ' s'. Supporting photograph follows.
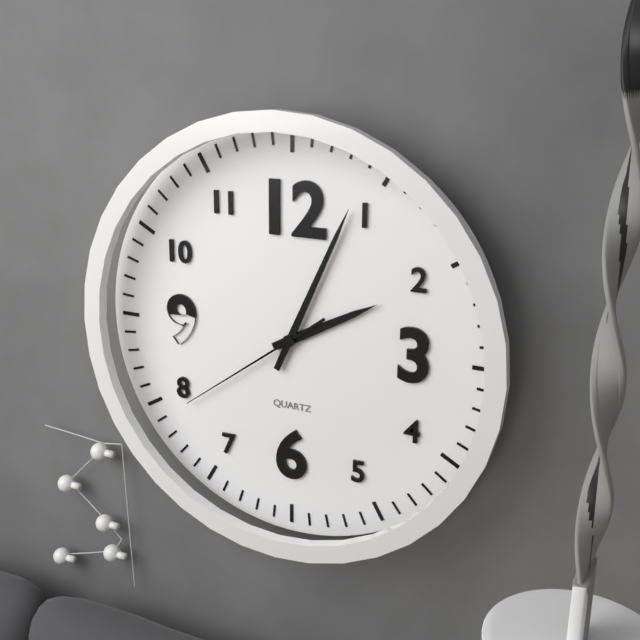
2 h 04 min 39 s
